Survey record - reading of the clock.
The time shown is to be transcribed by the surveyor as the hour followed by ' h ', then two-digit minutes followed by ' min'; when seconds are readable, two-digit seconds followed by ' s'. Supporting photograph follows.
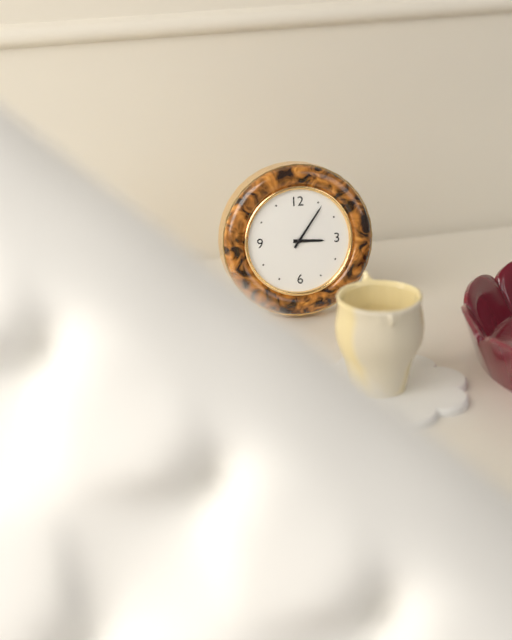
3 h 06 min
